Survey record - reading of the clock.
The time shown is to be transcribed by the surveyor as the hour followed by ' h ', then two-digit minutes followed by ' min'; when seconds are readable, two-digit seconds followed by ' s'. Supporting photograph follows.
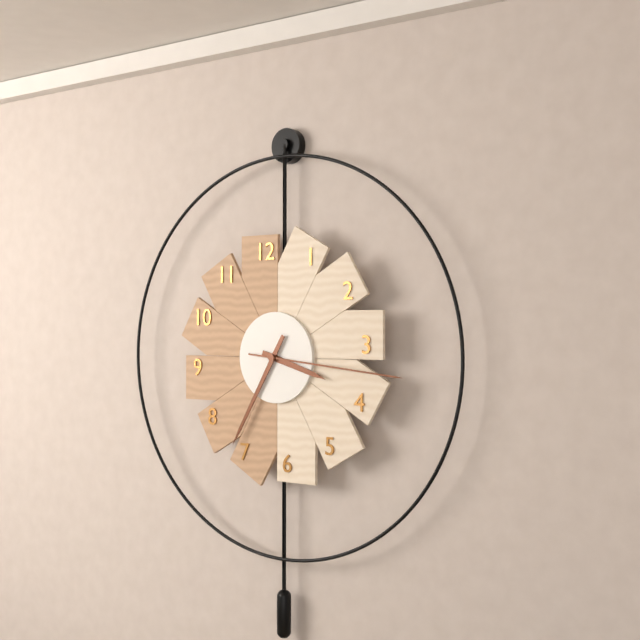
3 h 35 min 16 s
